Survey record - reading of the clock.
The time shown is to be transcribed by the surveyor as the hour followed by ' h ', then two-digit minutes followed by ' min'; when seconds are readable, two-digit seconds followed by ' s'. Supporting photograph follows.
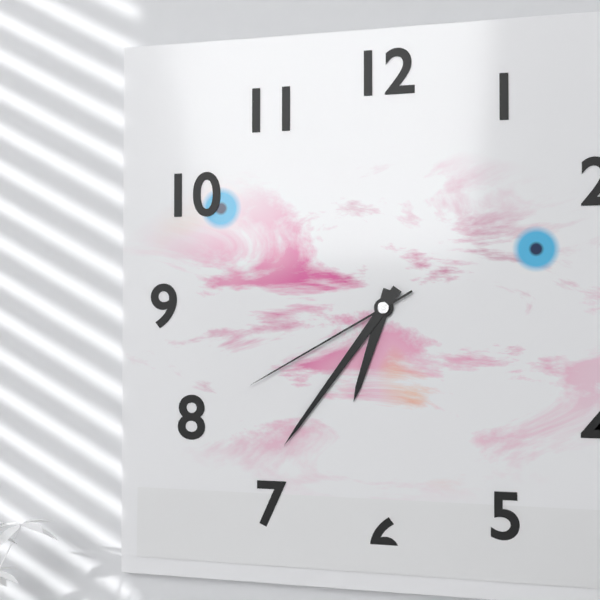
6 h 36 min 40 s
